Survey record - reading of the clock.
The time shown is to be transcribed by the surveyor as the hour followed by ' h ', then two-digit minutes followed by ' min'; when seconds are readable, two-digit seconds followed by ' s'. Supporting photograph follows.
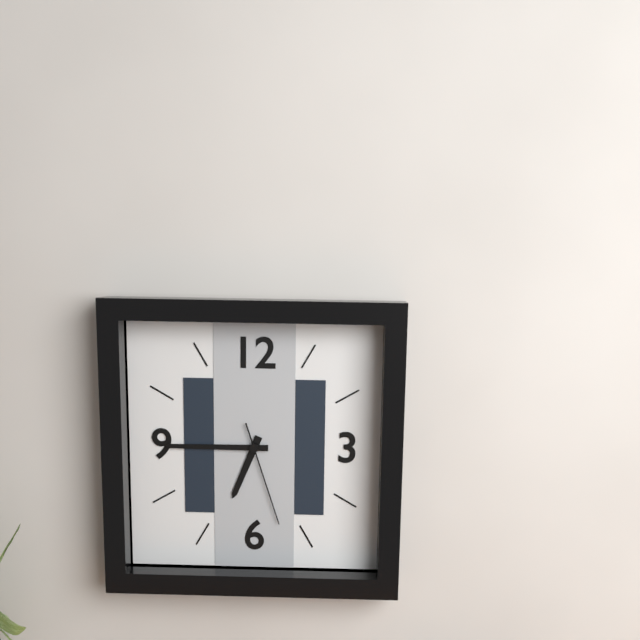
6 h 45 min 27 s
